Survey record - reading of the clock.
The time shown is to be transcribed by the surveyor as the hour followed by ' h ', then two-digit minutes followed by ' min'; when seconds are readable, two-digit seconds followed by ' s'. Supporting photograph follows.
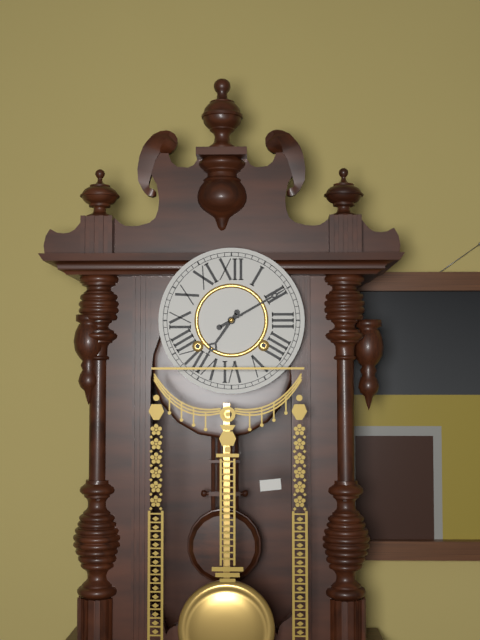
7 h 10 min
